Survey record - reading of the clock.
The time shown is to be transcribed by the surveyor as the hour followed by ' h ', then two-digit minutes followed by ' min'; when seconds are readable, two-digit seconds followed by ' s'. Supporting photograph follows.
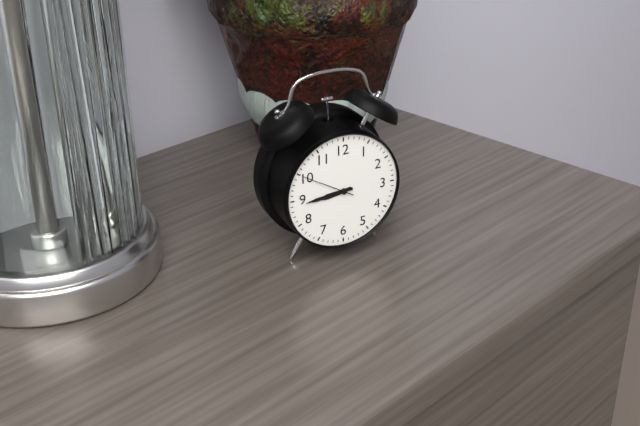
8 h 44 min 50 s
